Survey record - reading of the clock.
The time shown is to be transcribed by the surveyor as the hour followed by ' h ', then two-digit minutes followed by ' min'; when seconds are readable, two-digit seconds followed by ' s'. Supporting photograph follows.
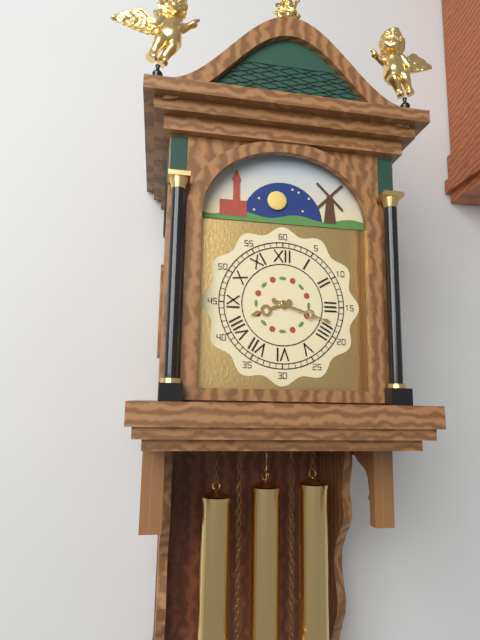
8 h 18 min
